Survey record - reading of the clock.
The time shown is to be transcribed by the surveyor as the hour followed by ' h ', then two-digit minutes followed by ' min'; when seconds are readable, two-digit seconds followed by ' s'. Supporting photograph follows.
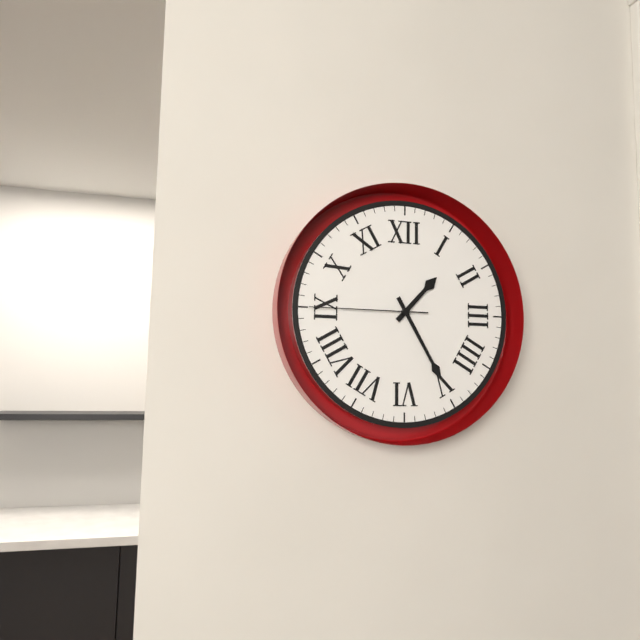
1 h 25 min 45 s
